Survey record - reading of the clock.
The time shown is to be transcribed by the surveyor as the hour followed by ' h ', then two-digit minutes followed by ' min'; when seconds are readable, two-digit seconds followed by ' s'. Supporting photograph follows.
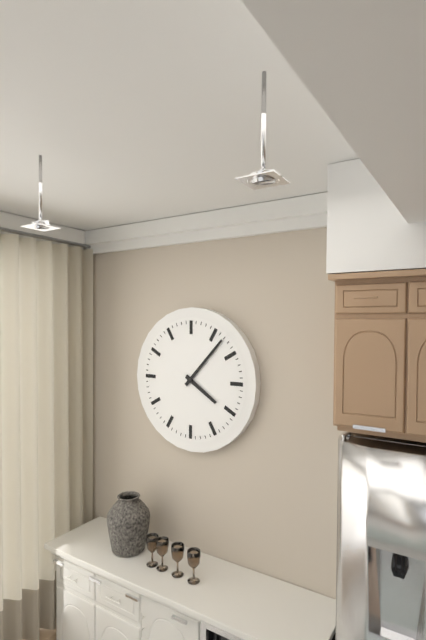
4 h 07 min
